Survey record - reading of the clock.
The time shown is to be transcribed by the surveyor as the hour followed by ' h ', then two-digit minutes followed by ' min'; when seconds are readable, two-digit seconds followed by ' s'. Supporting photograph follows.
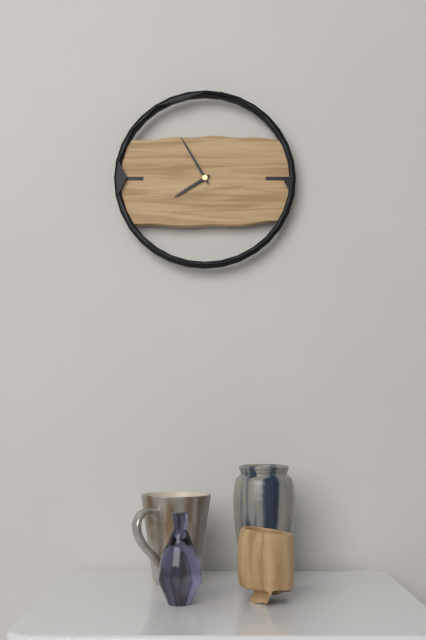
7 h 55 min
